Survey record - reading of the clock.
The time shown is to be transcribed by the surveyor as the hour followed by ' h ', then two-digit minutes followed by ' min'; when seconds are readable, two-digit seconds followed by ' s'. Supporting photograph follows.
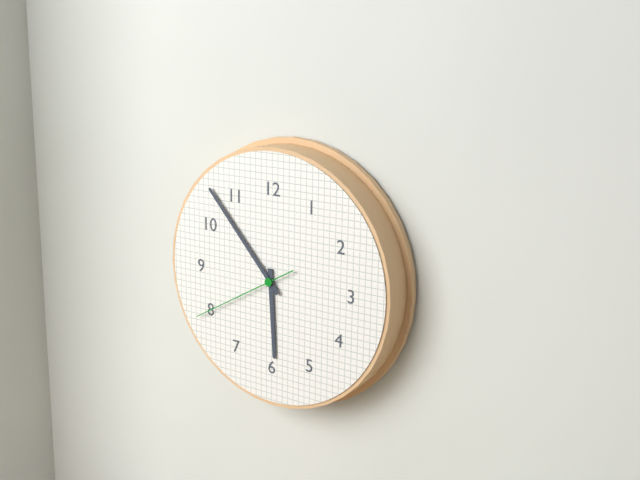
5 h 53 min 40 s
